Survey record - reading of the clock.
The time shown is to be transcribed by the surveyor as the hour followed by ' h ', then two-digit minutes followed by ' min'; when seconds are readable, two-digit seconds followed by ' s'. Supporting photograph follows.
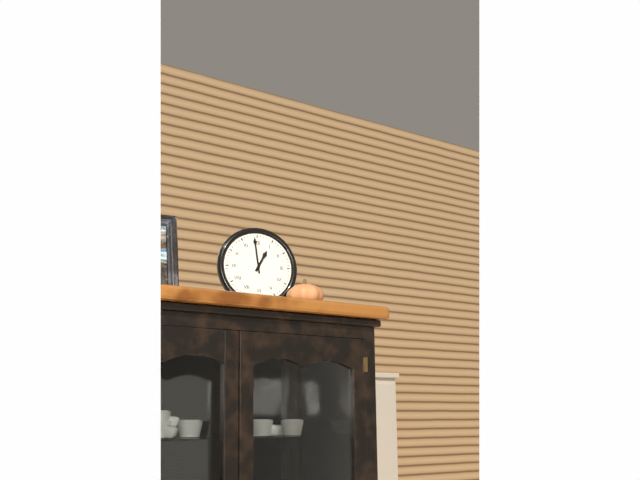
12 h 59 min
